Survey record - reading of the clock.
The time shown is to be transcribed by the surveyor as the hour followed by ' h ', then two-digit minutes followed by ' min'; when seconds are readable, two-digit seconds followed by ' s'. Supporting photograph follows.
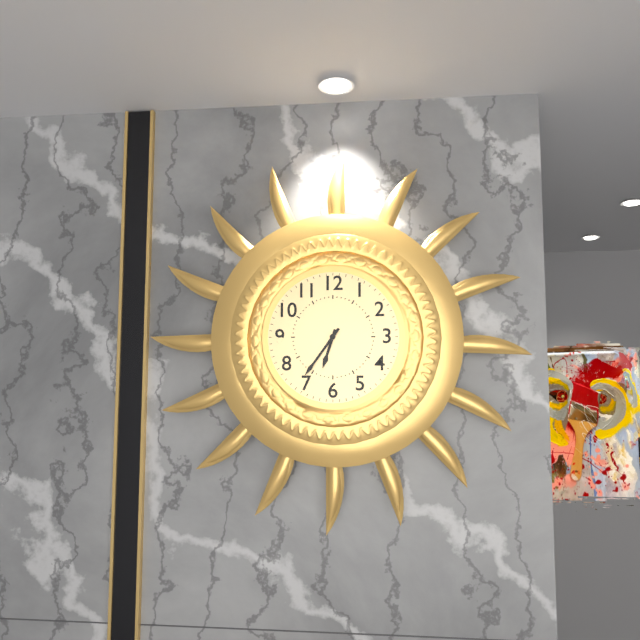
6 h 36 min
